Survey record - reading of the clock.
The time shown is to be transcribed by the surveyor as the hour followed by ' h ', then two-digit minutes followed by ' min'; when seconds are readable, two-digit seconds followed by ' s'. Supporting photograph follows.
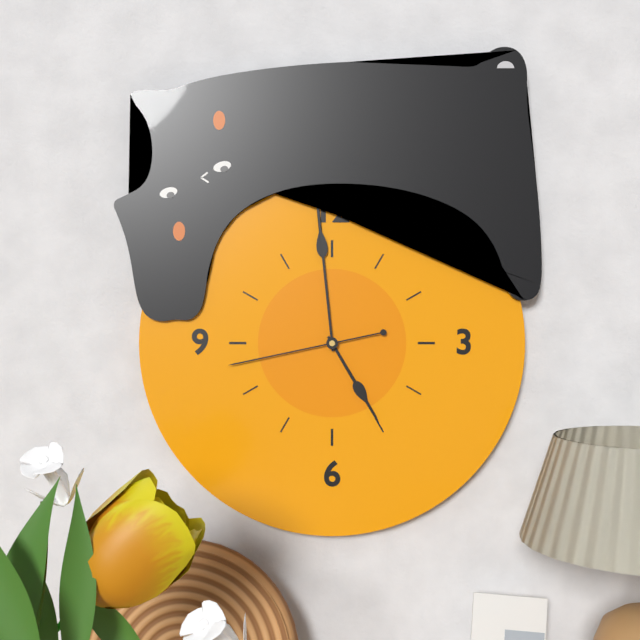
4 h 59 min 43 s
